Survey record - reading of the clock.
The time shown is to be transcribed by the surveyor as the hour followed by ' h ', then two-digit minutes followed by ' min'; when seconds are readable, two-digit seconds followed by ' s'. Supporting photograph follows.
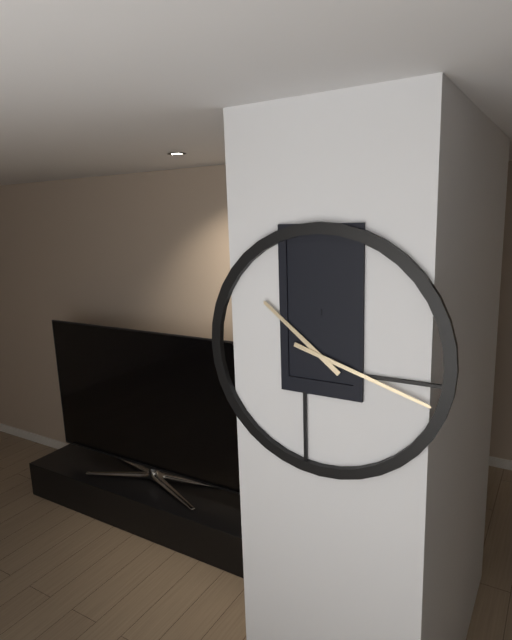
10 h 18 min
